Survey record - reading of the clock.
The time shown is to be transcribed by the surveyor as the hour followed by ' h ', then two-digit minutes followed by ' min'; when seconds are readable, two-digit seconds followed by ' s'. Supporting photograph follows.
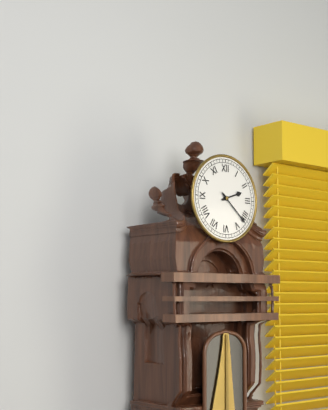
2 h 22 min
